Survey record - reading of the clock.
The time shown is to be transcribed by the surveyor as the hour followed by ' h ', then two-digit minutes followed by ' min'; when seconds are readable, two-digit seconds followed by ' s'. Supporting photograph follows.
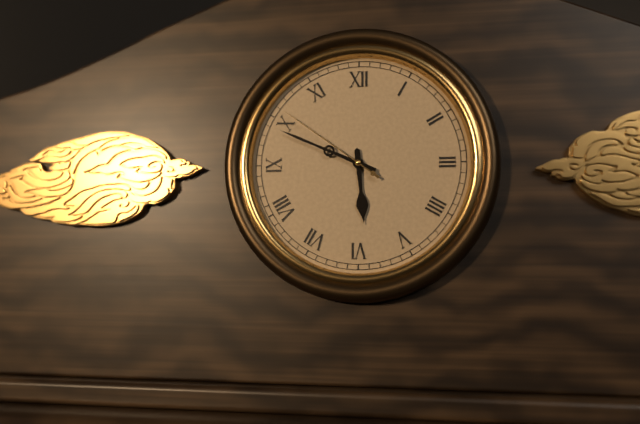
5 h 49 min 51 s
